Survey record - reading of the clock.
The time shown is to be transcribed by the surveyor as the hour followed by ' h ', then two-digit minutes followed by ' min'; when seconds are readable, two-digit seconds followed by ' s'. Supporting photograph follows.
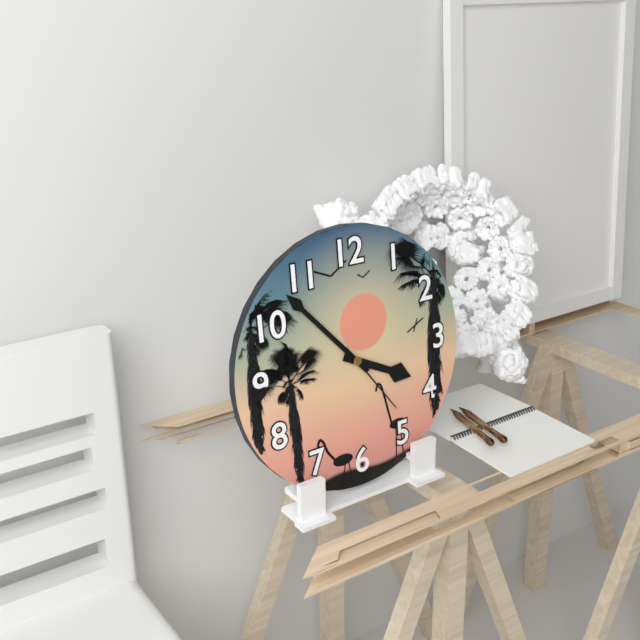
3 h 53 min 24 s
